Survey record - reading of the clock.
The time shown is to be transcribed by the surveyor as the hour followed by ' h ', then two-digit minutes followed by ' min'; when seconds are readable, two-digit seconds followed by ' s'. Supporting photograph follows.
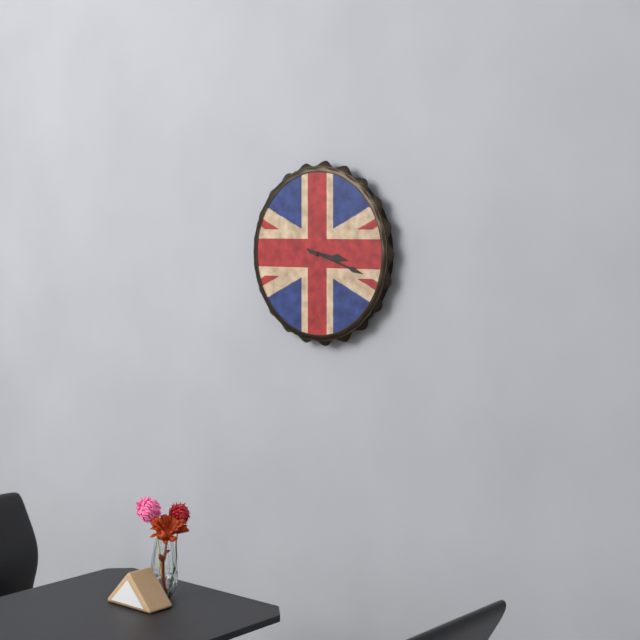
3 h 18 min
